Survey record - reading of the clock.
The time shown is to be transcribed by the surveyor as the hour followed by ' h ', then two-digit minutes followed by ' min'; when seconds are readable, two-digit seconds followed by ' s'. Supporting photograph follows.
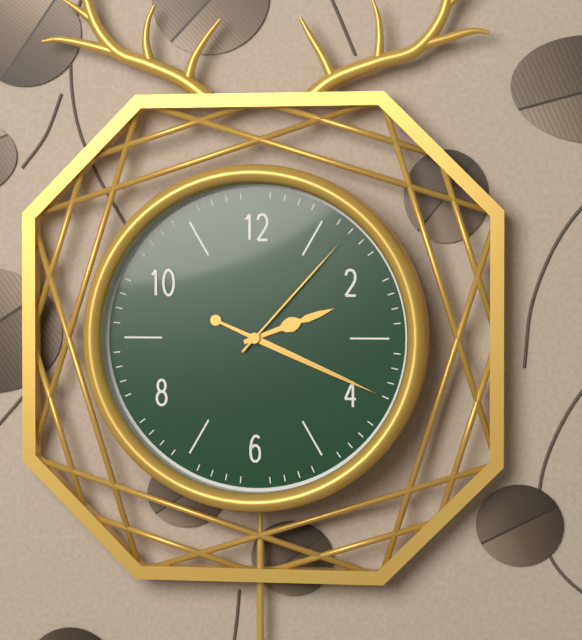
2 h 19 min 07 s
